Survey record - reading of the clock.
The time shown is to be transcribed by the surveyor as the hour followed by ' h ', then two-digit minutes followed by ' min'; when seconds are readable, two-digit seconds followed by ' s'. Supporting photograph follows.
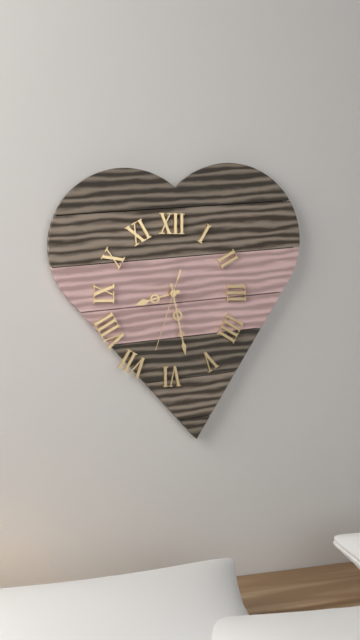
8 h 28 min 33 s
